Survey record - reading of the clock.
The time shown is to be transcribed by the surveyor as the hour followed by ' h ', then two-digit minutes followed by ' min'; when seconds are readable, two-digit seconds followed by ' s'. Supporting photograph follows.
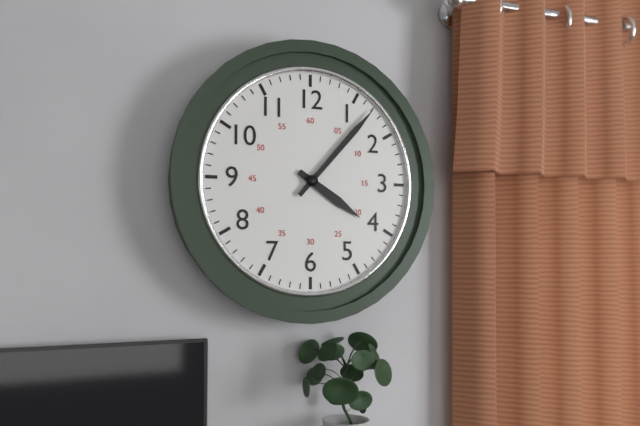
4 h 07 min
